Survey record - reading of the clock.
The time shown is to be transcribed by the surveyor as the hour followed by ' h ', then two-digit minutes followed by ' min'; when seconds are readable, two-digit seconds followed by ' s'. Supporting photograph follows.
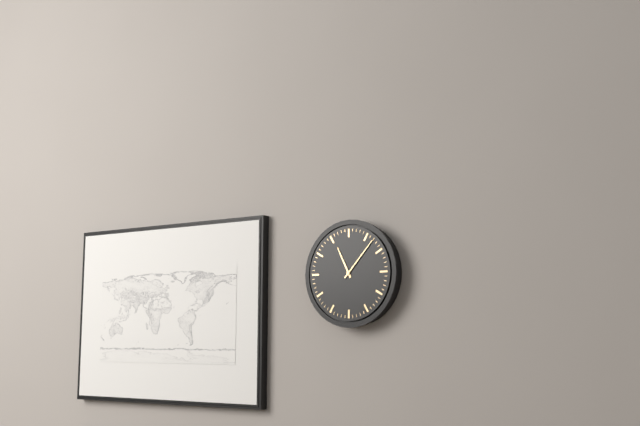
11 h 07 min
